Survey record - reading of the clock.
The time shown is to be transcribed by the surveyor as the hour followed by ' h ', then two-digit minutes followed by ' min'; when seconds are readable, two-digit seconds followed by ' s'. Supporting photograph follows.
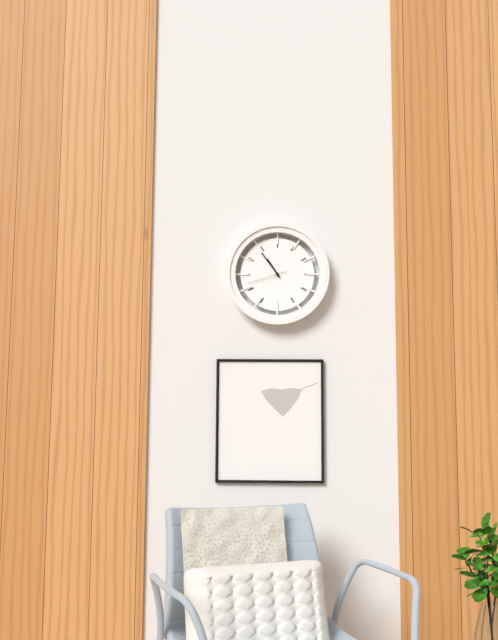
10 h 54 min
